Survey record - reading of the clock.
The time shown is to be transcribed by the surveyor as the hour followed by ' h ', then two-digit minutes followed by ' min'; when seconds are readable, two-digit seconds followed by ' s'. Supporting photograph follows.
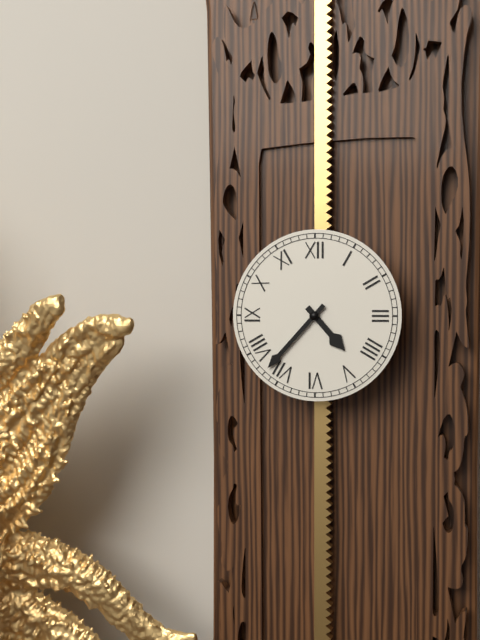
4 h 37 min
